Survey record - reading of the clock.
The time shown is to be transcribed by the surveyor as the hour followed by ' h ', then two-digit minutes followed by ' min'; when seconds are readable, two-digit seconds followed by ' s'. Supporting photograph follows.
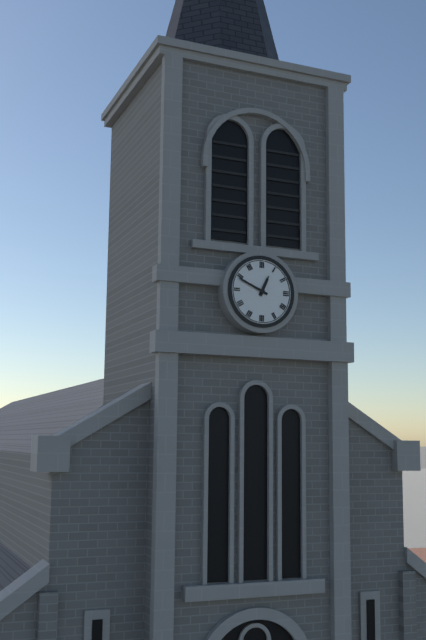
12 h 49 min
